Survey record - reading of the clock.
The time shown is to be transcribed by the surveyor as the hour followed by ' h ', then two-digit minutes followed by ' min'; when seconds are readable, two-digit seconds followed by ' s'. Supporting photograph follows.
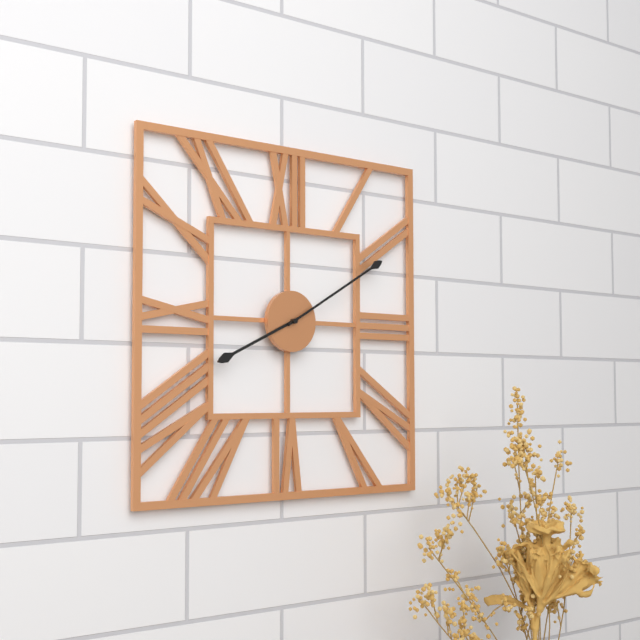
8 h 10 min
